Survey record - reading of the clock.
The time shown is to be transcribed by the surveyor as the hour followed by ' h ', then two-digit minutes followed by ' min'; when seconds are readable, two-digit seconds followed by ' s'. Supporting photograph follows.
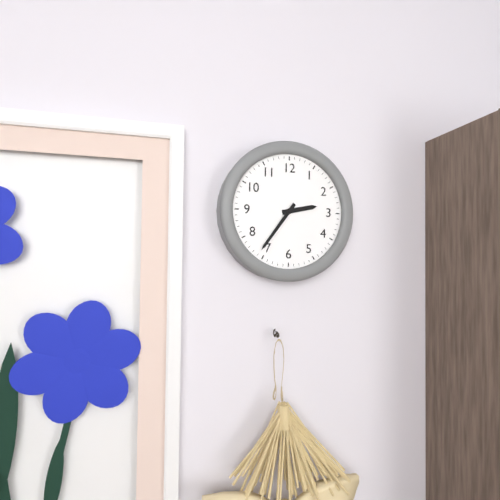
2 h 36 min
